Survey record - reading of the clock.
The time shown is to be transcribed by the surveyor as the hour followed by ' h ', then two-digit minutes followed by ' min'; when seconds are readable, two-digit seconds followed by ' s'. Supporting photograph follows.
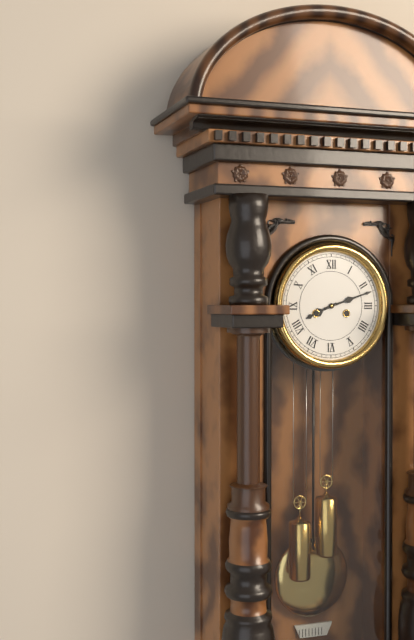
8 h 12 min
